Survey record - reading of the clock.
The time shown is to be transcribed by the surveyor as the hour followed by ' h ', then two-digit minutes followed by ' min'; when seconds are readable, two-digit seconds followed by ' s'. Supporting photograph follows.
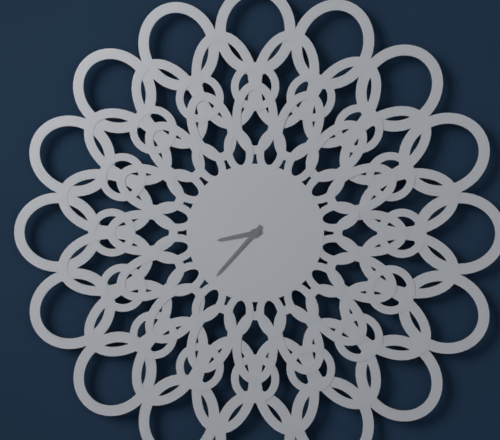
8 h 37 min
